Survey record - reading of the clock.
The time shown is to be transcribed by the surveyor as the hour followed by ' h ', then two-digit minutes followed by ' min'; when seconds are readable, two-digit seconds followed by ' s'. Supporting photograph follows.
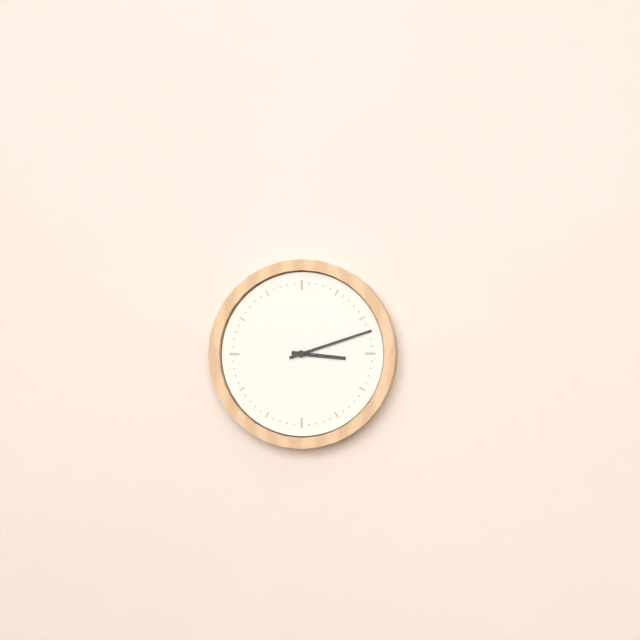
3 h 12 min
